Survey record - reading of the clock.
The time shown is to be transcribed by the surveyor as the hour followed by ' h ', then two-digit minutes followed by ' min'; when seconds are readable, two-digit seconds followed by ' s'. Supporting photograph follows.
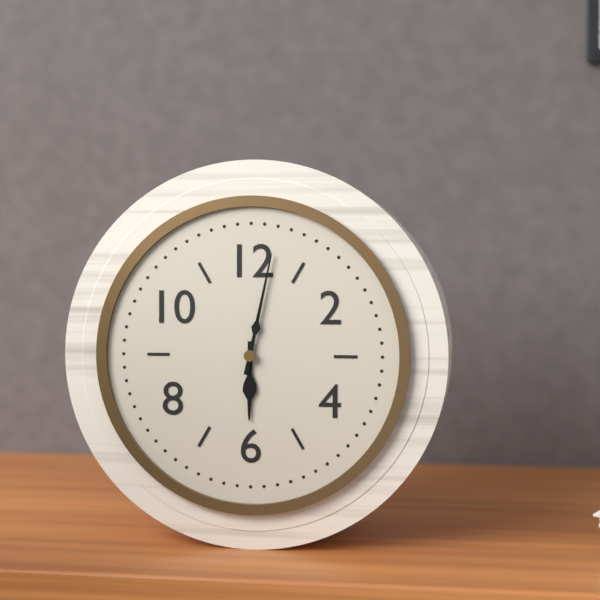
6 h 02 min
